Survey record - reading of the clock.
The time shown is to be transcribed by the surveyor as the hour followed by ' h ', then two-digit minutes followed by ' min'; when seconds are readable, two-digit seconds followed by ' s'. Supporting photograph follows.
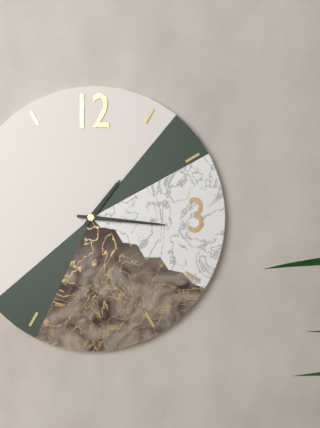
1 h 16 min
